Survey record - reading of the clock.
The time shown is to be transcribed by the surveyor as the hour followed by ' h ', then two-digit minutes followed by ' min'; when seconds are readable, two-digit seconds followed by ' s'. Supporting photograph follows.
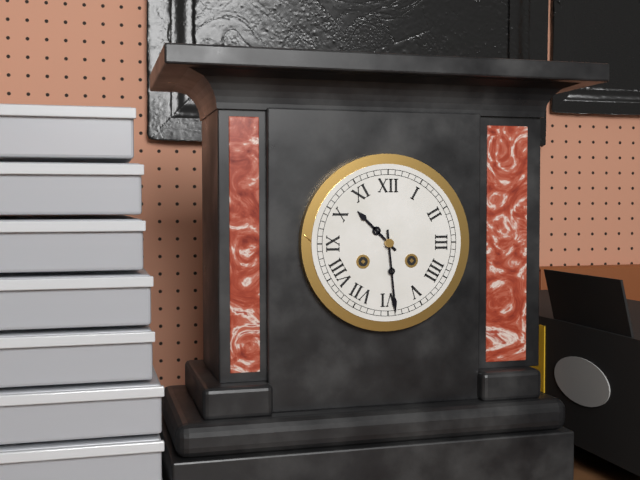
10 h 29 min
